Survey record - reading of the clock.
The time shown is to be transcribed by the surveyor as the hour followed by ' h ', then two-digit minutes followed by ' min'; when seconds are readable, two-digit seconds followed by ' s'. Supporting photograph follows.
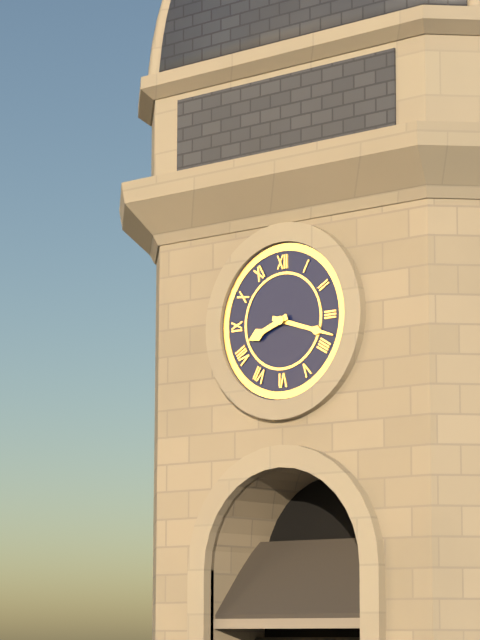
8 h 18 min
